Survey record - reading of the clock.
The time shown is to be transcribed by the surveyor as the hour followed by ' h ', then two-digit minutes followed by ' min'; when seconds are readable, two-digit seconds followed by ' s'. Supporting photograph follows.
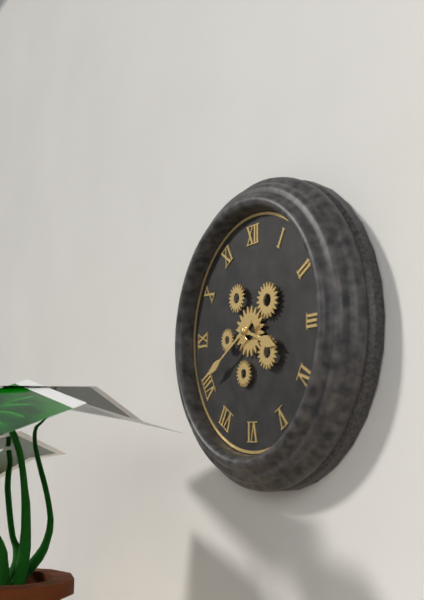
3 h 40 min
